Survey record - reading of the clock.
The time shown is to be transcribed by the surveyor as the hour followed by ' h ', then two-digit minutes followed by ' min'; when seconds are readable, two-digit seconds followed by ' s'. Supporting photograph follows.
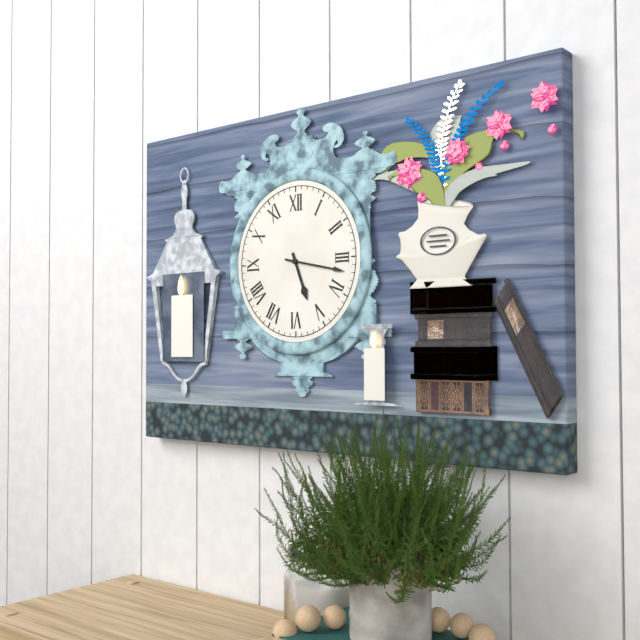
5 h 17 min
